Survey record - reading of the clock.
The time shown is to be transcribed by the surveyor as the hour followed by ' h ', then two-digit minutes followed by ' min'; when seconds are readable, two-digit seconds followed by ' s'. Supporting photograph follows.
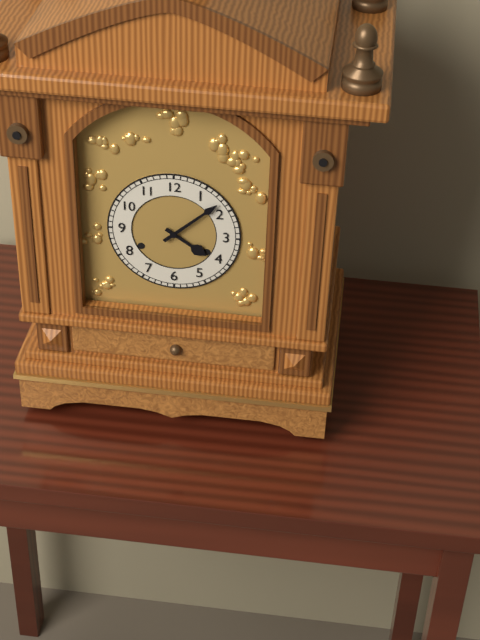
4 h 08 min
